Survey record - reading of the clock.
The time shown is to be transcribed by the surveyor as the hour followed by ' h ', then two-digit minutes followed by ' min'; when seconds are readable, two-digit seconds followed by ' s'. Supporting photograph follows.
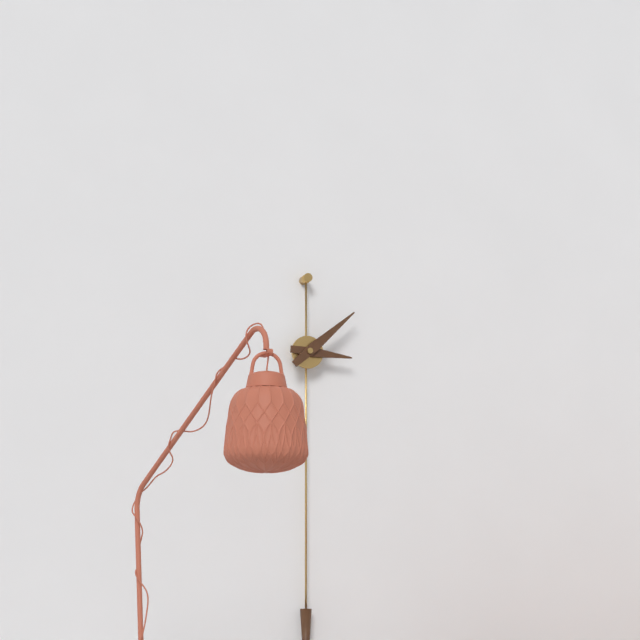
3 h 08 min
